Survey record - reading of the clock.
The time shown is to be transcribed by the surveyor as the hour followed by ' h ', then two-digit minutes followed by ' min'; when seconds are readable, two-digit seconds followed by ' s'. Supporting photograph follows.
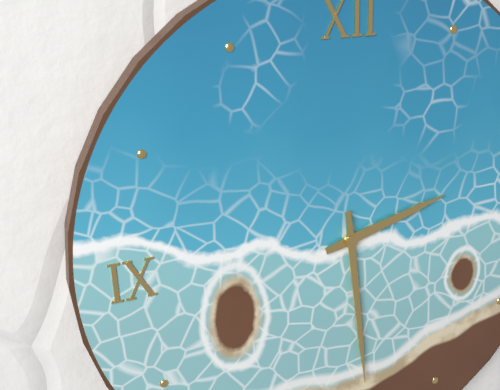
2 h 29 min
